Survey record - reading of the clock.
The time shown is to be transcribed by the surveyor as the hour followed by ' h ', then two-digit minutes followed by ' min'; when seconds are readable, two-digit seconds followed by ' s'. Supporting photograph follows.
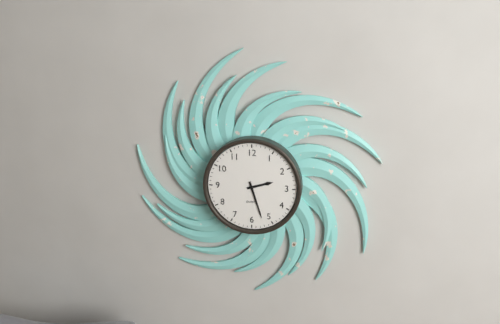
2 h 27 min
